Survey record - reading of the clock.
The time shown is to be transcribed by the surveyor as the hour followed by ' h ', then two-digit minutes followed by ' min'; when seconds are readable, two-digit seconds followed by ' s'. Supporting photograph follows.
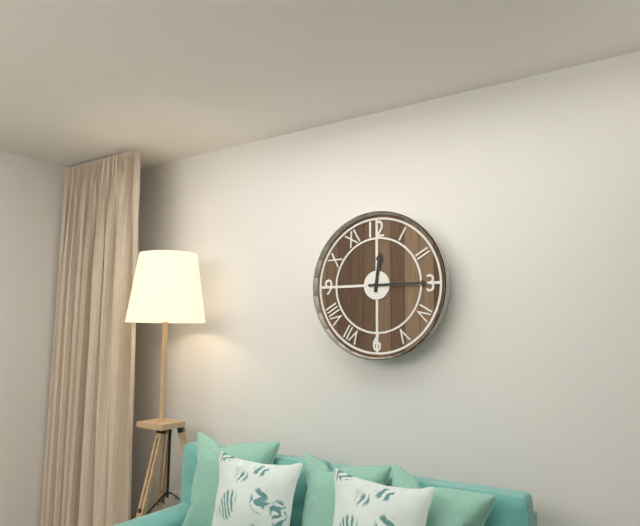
12 h 15 min
